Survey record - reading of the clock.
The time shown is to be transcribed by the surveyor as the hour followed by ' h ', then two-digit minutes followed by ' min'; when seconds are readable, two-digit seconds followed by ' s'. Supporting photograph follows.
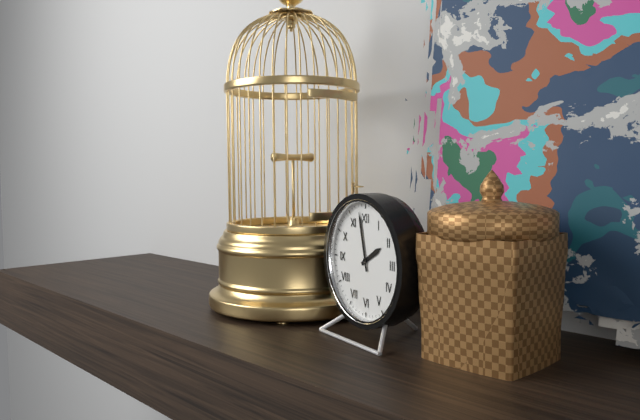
1 h 58 min
